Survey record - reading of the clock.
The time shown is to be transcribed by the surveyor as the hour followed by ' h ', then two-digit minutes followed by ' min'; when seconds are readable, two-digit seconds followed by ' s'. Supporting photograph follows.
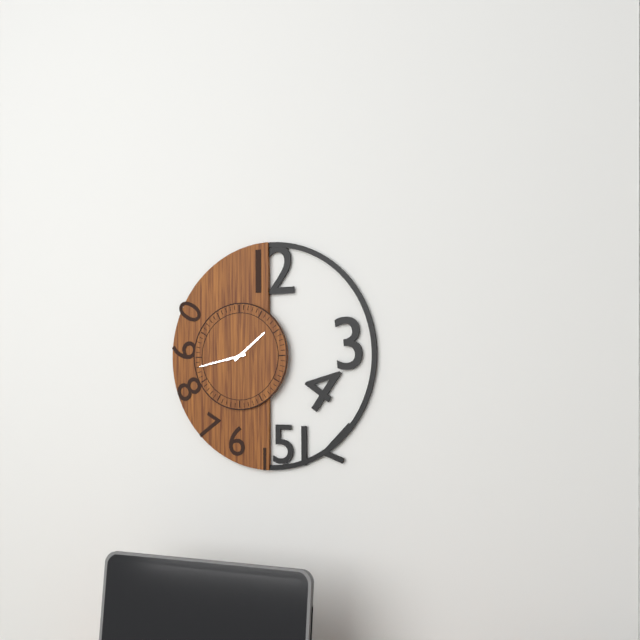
1 h 43 min
